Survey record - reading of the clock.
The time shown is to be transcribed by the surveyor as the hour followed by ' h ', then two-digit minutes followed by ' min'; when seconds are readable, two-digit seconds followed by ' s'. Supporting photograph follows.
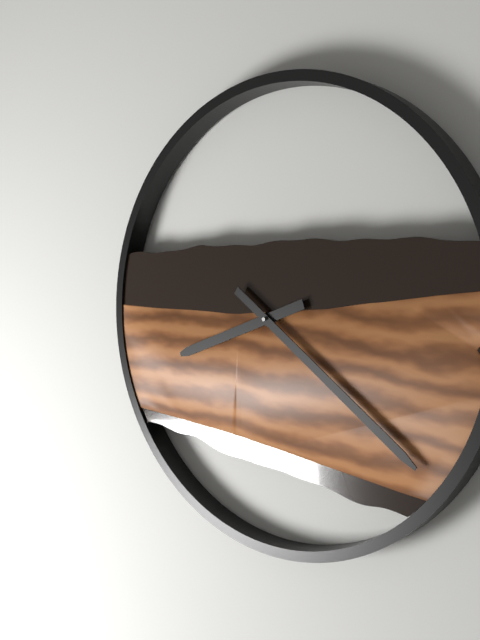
8 h 21 min
